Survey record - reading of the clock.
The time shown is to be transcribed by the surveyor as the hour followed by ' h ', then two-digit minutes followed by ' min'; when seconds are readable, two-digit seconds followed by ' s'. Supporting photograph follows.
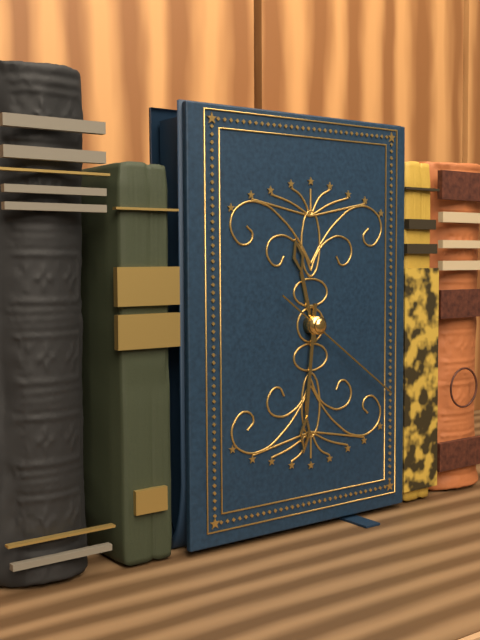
11 h 31 min 21 s
